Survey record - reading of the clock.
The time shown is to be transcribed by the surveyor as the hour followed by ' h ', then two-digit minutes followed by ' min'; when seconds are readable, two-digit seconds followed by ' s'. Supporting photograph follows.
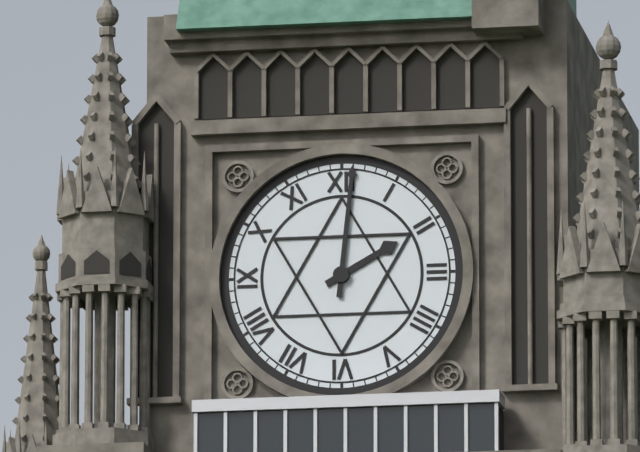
2 h 01 min
